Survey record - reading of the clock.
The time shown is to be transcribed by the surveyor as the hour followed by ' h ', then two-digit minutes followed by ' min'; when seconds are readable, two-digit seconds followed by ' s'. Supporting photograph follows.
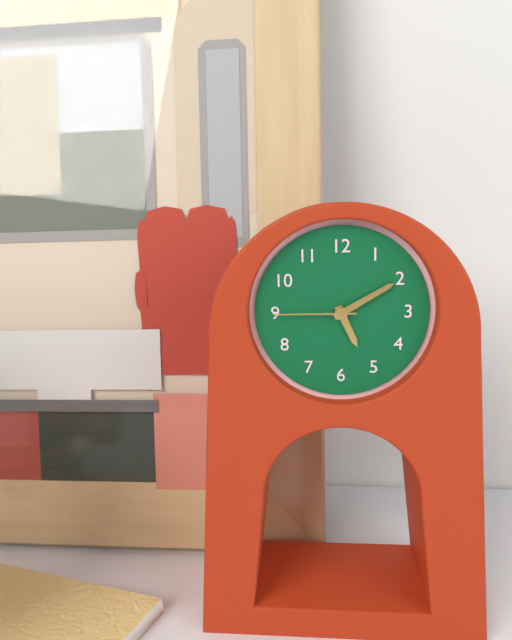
5 h 10 min 45 s
